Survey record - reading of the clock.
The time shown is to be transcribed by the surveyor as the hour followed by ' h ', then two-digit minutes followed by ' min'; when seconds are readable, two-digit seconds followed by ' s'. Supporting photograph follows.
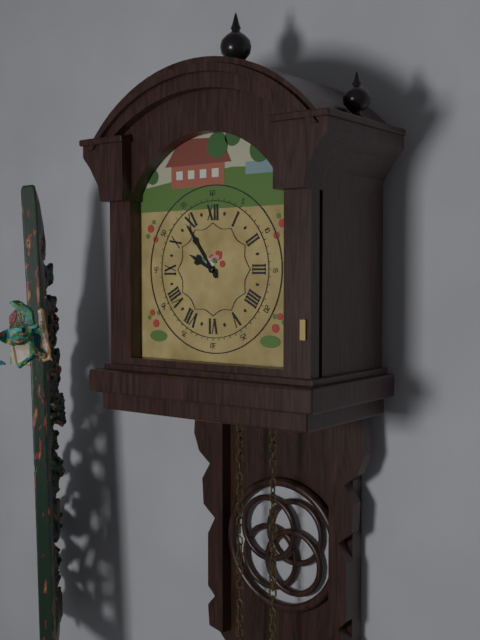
9 h 54 min
